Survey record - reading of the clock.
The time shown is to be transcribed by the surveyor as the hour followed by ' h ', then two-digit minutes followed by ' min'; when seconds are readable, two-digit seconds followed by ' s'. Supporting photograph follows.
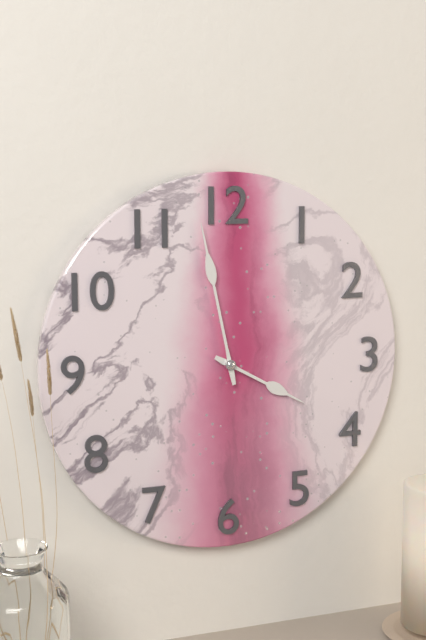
3 h 58 min
